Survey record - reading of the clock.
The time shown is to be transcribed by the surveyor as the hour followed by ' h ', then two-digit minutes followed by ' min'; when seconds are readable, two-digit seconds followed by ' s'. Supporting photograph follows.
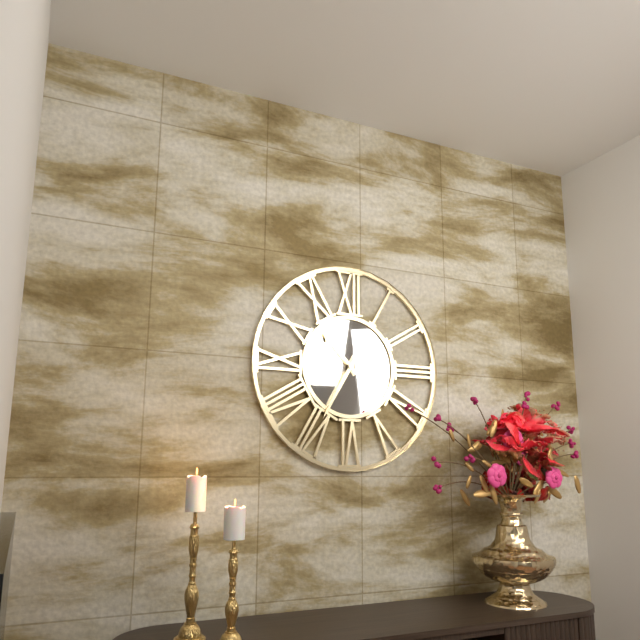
10 h 35 min
